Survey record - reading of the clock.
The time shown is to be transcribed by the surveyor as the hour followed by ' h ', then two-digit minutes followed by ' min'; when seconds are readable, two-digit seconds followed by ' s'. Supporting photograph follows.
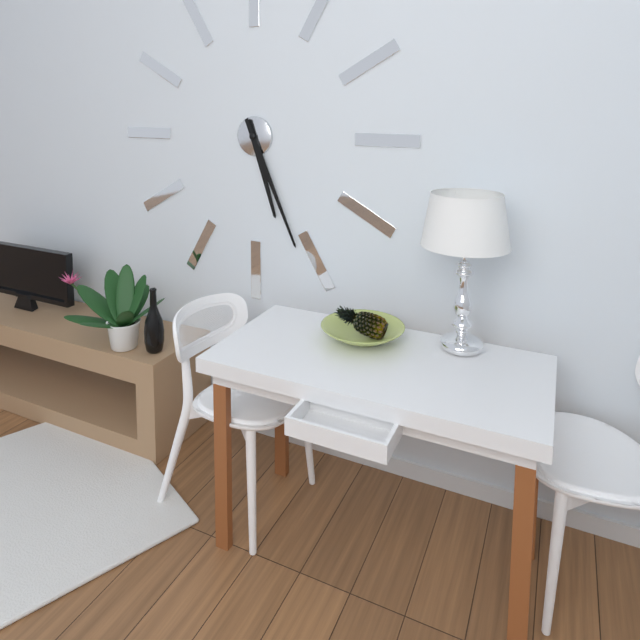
5 h 26 min
